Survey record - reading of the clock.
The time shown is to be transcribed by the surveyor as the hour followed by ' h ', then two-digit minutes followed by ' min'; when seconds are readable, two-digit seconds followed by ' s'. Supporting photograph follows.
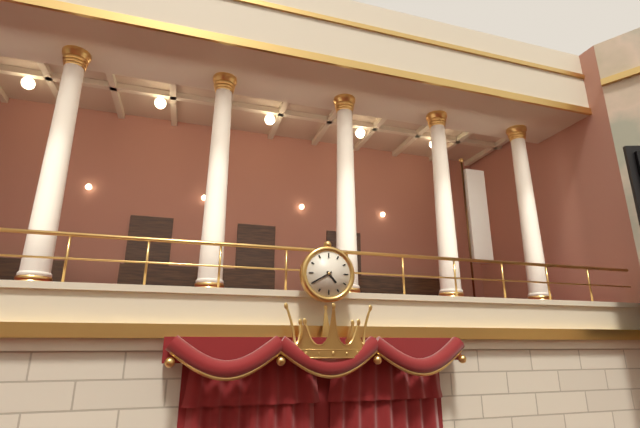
4 h 40 min
